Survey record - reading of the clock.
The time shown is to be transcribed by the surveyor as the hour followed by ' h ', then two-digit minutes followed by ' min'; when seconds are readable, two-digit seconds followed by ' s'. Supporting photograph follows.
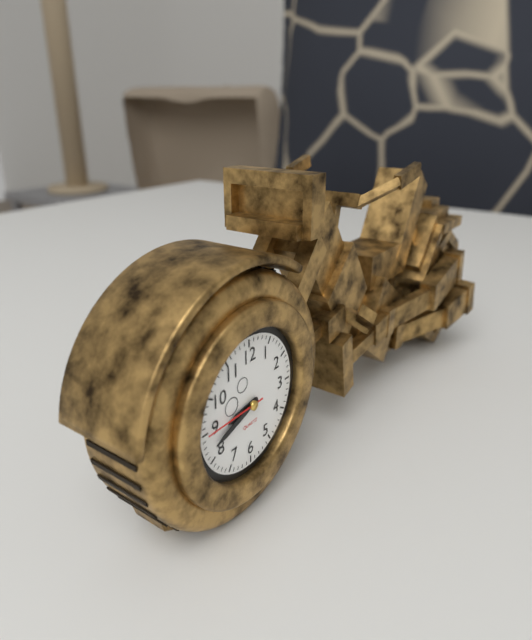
8 h 42 min 45 s
